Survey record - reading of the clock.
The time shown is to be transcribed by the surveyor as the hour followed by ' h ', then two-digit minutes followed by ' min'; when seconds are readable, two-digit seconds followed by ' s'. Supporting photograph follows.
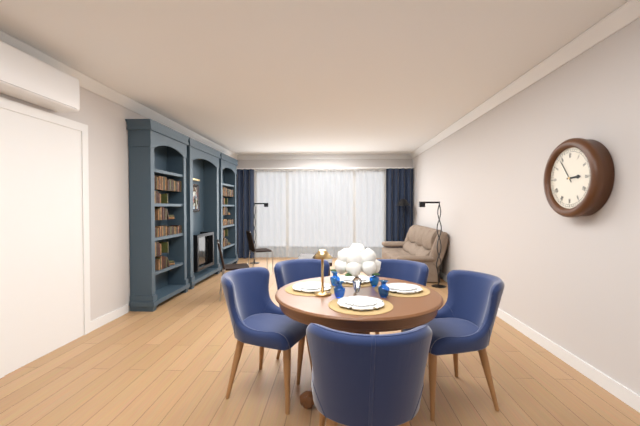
2 h 54 min
